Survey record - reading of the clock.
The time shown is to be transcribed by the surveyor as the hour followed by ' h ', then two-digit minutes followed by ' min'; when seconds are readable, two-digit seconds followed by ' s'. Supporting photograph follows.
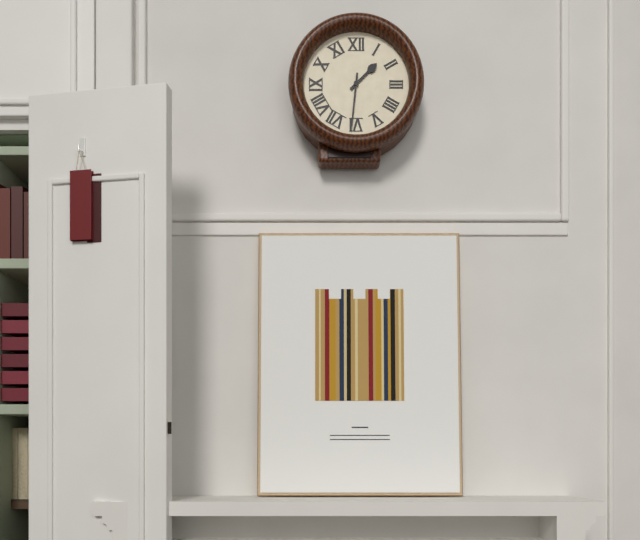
1 h 31 min
